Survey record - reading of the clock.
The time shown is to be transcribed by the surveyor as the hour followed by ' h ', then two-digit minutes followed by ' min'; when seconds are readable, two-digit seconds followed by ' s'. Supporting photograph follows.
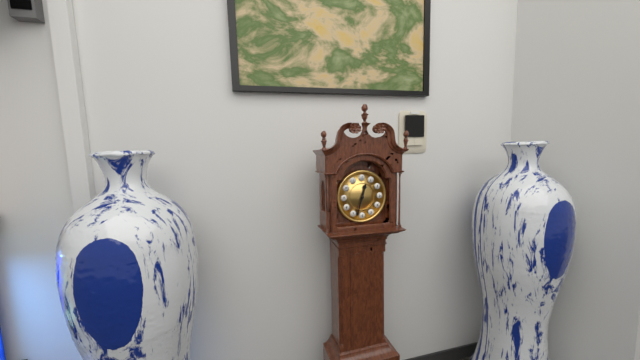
12 h 33 min
